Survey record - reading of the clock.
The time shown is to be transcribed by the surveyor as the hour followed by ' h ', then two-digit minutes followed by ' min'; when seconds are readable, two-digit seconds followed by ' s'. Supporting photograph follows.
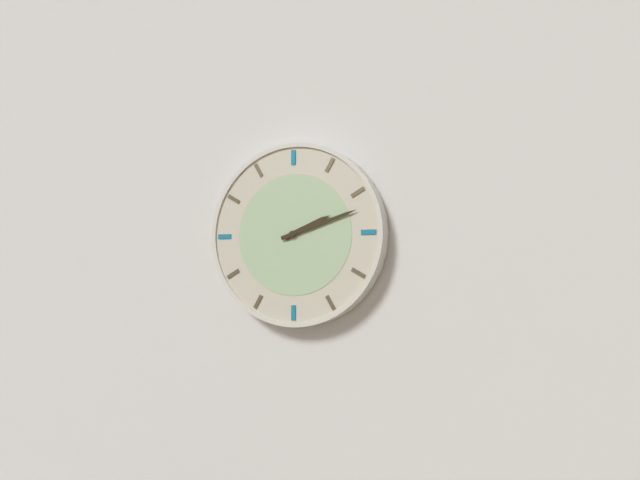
2 h 12 min
